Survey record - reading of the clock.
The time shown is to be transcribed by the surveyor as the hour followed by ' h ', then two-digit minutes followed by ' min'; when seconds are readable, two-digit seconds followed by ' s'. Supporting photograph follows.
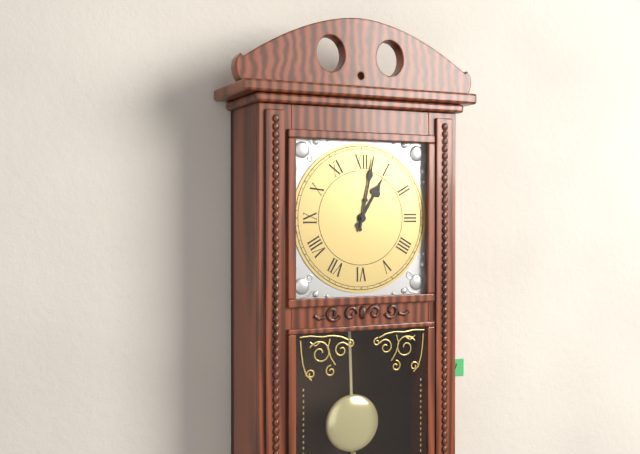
1 h 02 min
